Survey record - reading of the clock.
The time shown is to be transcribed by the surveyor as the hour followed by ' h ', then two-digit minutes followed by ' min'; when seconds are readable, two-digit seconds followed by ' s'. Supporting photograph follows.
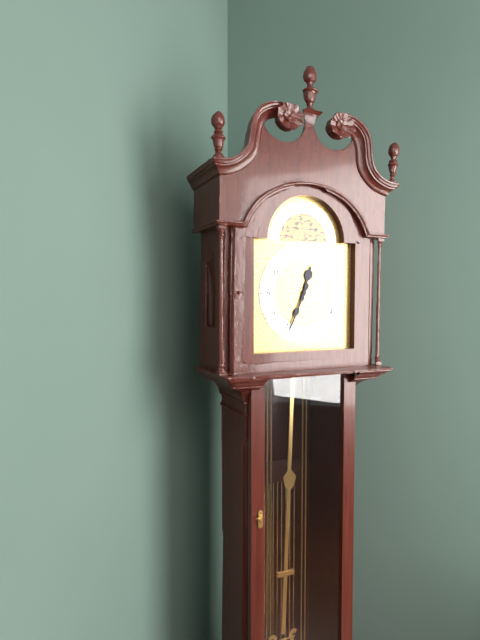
12 h 34 min
